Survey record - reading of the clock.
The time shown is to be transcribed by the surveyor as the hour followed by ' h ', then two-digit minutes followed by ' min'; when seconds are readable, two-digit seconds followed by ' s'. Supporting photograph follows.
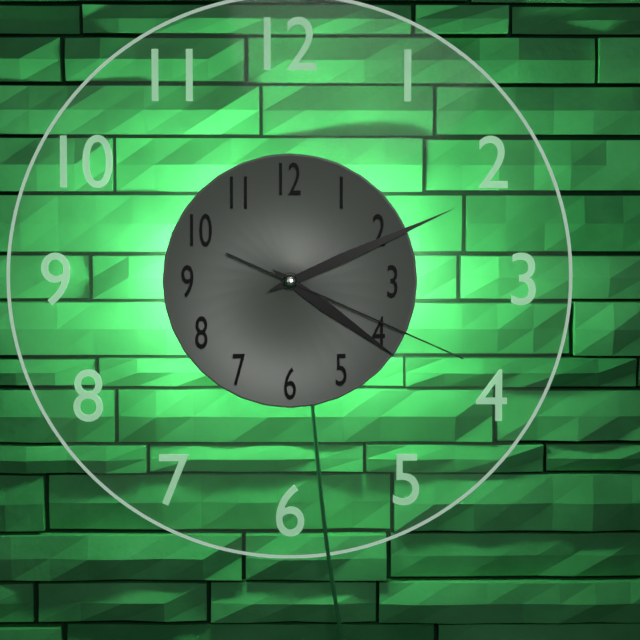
4 h 11 min 19 s
